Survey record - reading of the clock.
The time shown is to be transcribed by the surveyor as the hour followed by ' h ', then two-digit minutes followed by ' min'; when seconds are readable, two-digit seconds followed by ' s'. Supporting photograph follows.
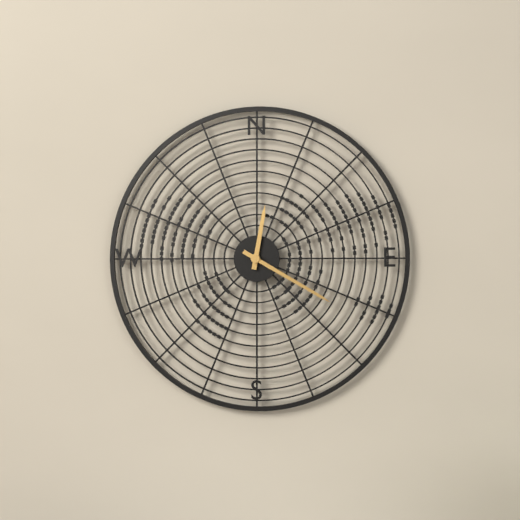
12 h 20 min
